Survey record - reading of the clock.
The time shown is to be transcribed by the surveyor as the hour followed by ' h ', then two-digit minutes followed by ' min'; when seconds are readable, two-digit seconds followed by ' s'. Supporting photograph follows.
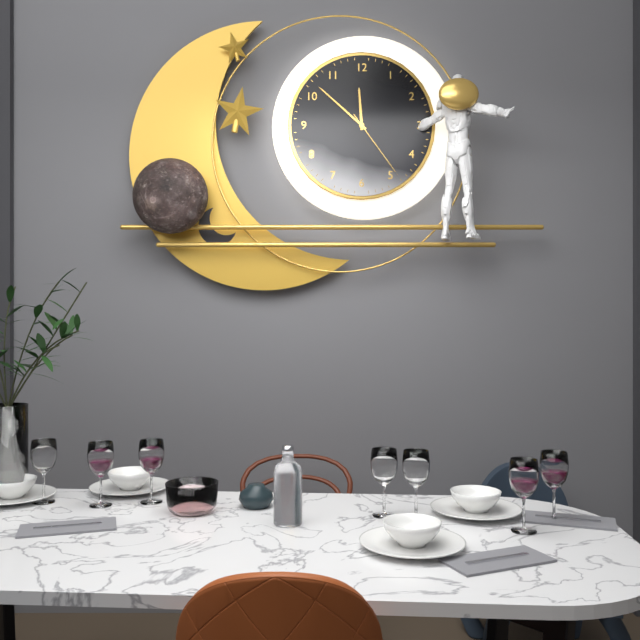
11 h 52 min 24 s
